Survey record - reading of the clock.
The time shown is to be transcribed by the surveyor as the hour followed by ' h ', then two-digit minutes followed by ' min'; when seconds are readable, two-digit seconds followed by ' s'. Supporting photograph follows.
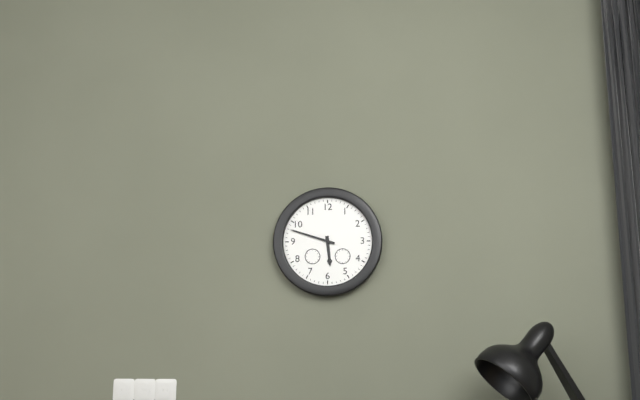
5 h 48 min
